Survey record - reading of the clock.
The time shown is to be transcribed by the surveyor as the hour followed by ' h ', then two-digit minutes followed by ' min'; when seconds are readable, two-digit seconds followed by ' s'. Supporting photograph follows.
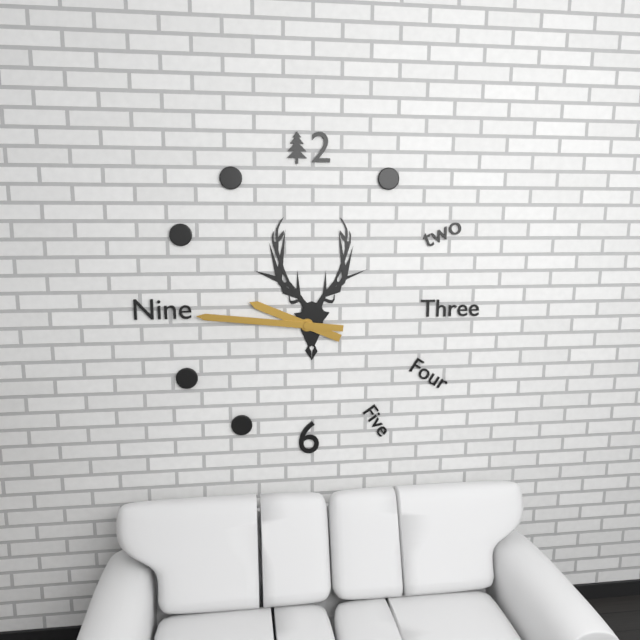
9 h 46 min
